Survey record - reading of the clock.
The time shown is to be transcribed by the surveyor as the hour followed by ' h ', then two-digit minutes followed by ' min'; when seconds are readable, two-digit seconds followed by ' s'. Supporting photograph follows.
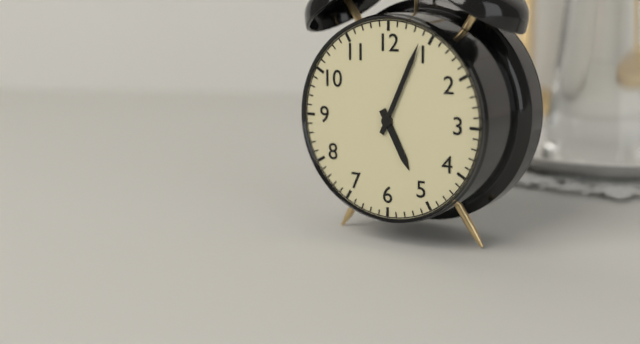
5 h 04 min
